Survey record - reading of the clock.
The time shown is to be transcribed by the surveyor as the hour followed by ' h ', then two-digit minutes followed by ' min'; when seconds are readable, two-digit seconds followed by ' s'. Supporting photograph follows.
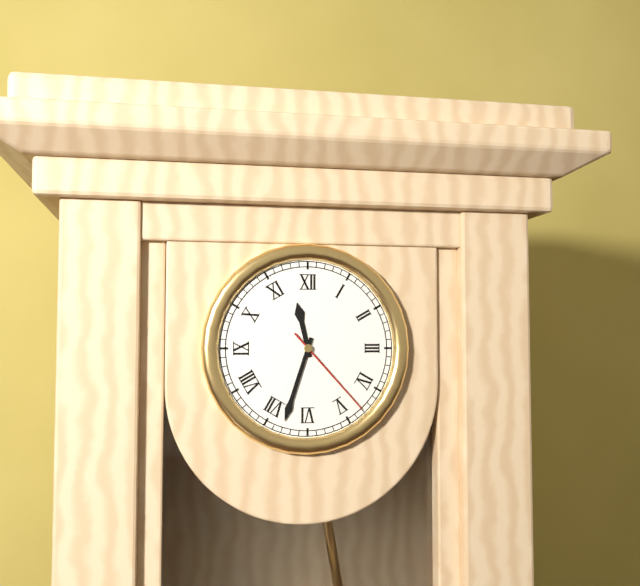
11 h 33 min 23 s
